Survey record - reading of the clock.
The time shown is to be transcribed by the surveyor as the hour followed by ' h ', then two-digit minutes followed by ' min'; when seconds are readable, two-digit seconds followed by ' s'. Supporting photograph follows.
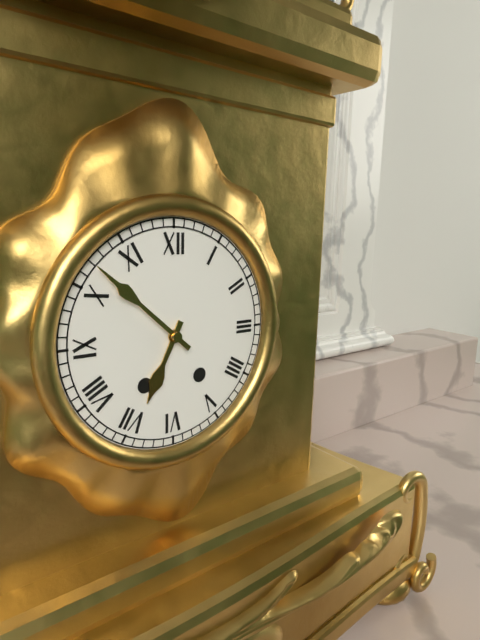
6 h 52 min
